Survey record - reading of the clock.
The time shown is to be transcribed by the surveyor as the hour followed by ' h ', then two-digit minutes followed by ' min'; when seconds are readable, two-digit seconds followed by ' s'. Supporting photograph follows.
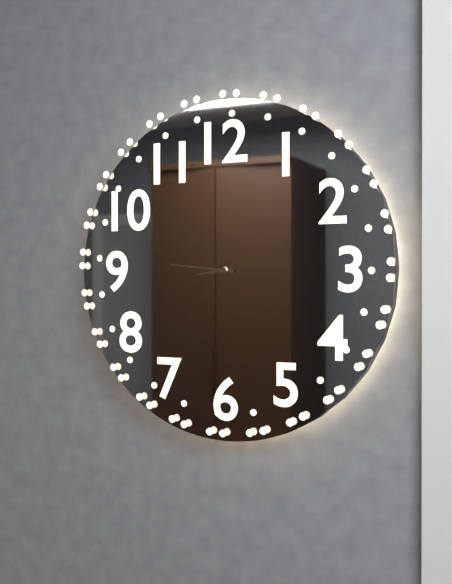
8 h 46 min
